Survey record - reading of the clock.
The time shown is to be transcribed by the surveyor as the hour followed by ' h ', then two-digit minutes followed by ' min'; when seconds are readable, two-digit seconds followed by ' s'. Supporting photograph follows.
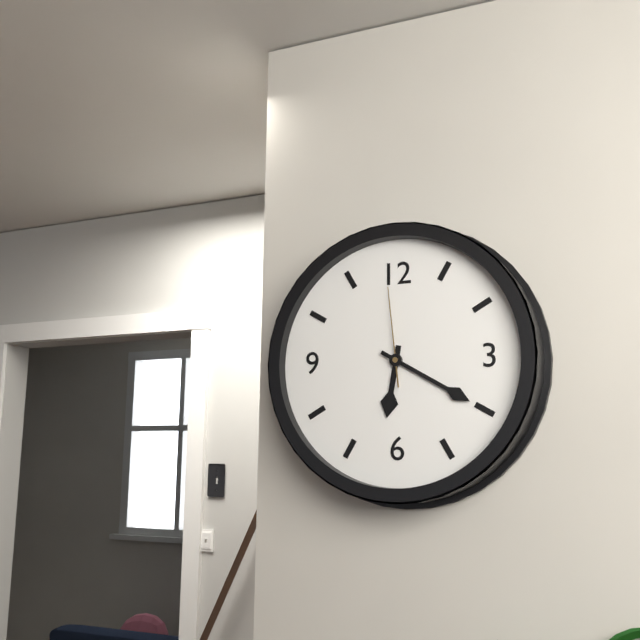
6 h 20 min 59 s
